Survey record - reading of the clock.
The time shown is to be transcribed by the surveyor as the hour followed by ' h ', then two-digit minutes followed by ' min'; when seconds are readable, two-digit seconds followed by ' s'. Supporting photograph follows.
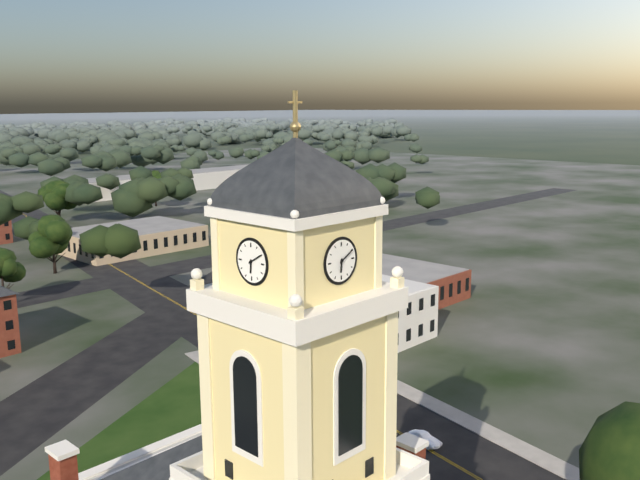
6 h 10 min
